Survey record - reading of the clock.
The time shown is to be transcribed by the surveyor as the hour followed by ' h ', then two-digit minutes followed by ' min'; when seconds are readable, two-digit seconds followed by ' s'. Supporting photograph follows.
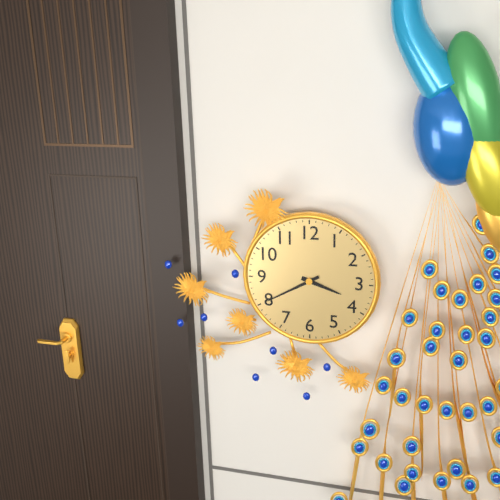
3 h 40 min
